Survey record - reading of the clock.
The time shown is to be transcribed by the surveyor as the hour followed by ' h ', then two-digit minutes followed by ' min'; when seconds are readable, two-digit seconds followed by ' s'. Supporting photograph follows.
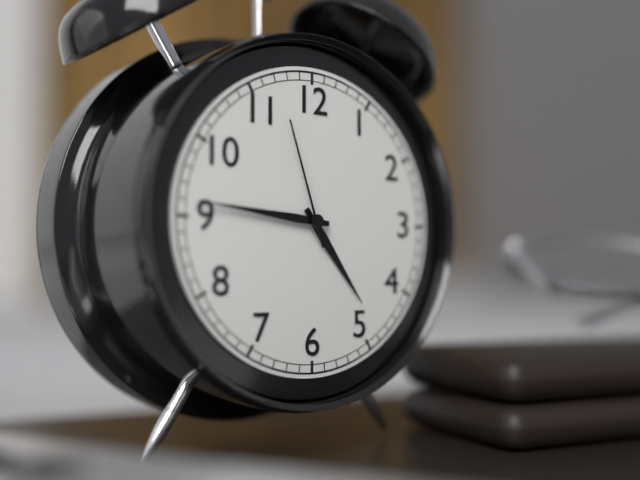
4 h 46 min 57 s
